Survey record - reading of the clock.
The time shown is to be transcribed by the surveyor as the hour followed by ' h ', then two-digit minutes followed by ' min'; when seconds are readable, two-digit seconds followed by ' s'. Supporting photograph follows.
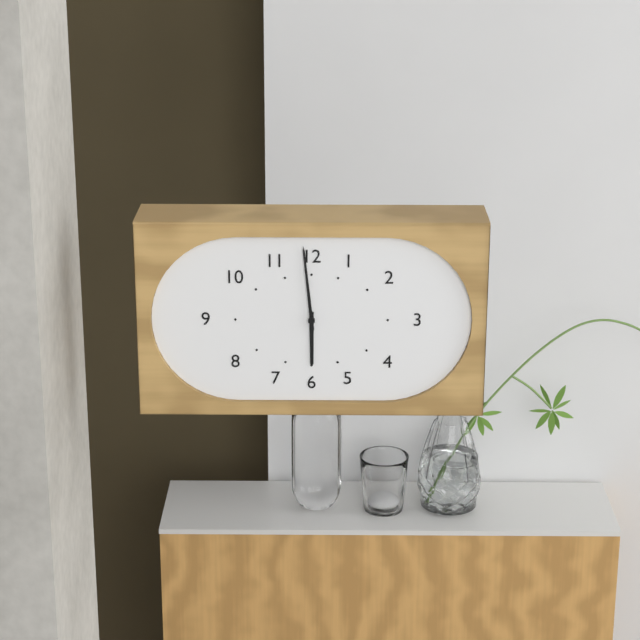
5 h 59 min
